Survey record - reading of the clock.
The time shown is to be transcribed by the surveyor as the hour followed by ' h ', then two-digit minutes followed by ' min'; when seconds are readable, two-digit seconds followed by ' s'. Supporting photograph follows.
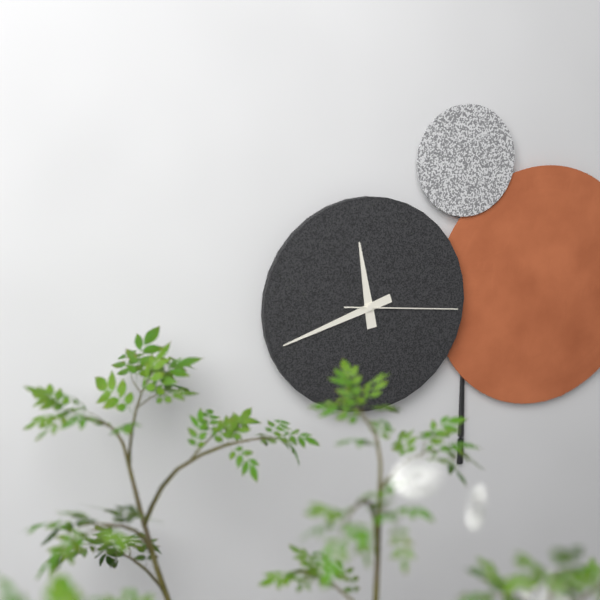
11 h 42 min 16 s
